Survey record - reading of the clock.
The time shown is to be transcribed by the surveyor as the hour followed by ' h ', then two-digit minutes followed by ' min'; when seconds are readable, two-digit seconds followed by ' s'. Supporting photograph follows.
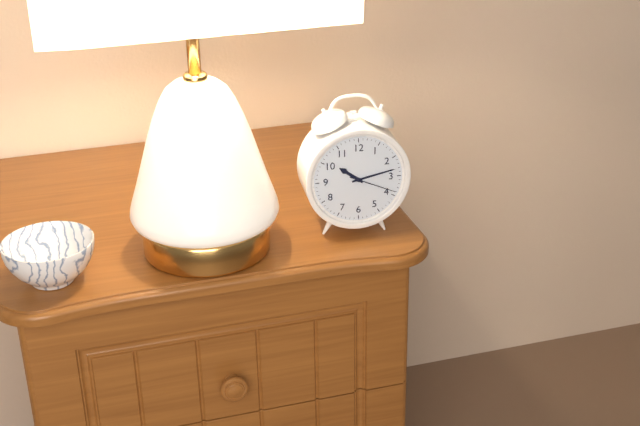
10 h 13 min
